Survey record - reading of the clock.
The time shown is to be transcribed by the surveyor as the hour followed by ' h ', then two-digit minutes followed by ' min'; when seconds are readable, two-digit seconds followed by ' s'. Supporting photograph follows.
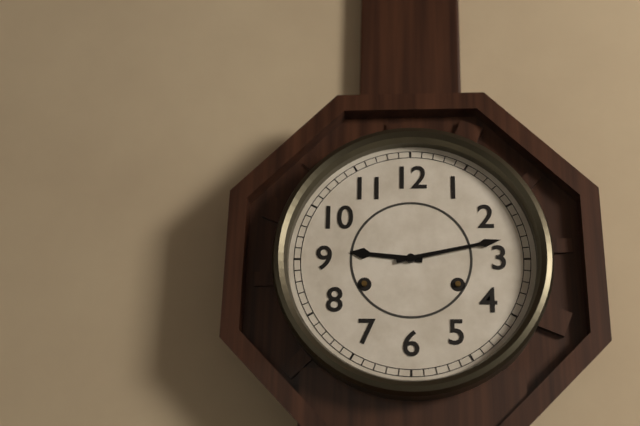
9 h 13 min
